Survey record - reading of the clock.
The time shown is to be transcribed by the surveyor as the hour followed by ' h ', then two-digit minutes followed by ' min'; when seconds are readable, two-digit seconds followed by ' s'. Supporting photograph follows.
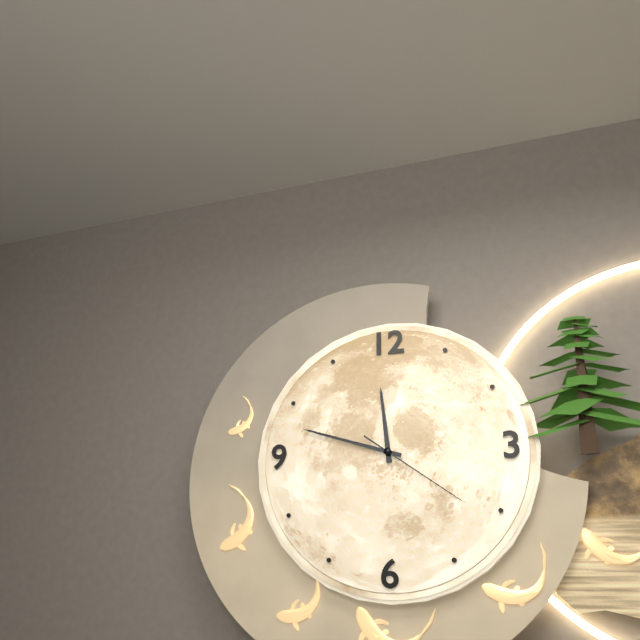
11 h 48 min 21 s
